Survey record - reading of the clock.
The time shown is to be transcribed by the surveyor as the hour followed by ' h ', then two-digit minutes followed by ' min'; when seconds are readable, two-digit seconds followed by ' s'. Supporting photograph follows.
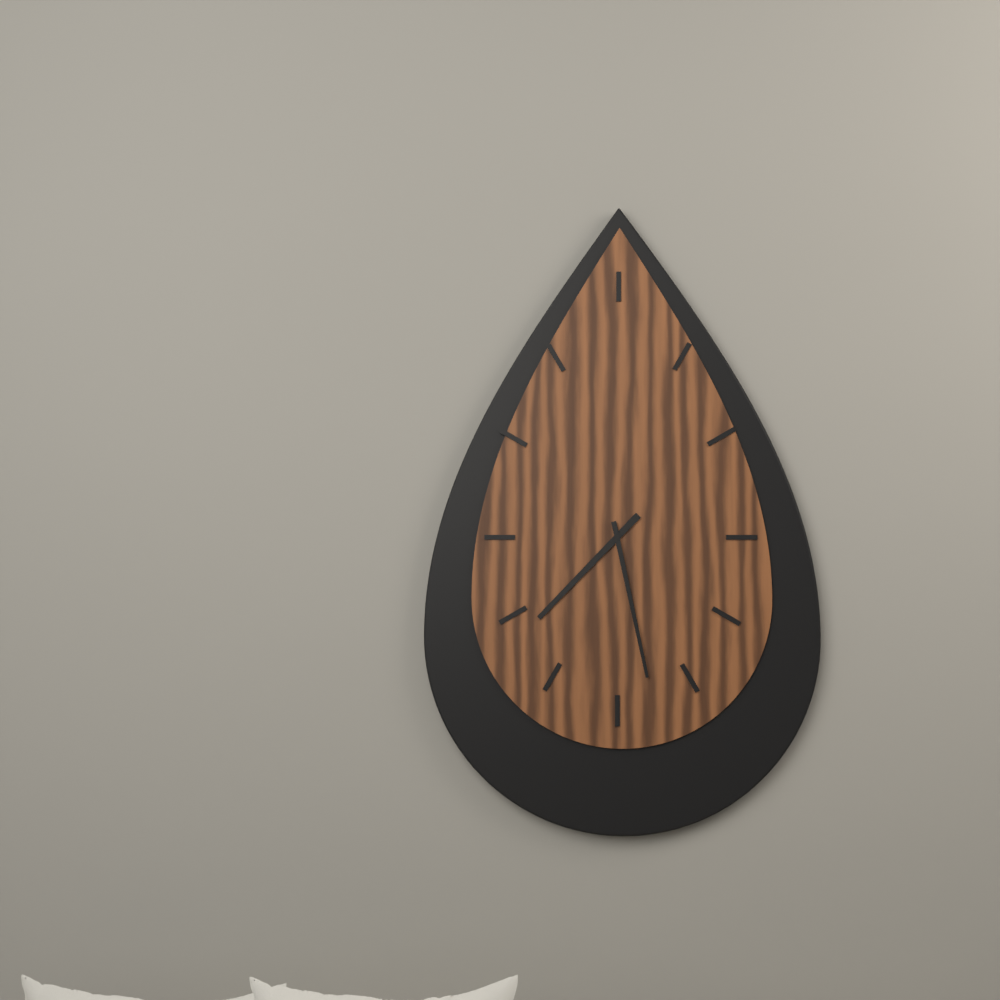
7 h 28 min
